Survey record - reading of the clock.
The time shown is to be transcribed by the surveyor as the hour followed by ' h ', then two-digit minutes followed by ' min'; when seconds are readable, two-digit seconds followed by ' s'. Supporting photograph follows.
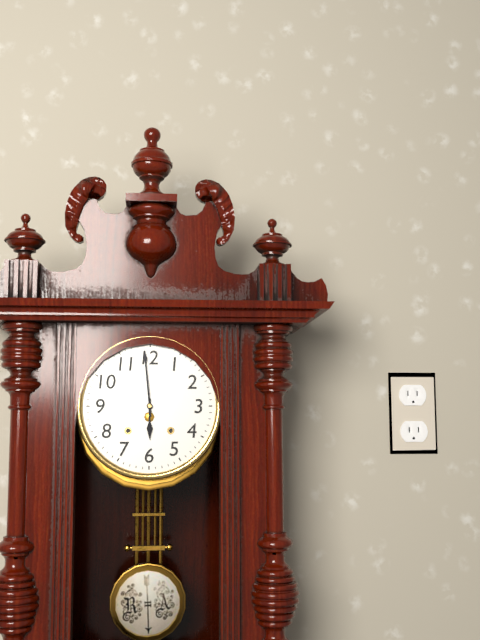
5 h 59 min
